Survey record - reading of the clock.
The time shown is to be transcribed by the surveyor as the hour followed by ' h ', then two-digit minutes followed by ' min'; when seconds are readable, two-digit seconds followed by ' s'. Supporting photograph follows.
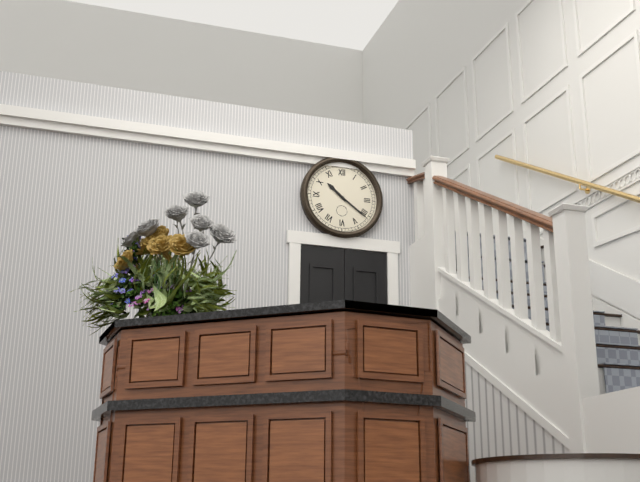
10 h 21 min
